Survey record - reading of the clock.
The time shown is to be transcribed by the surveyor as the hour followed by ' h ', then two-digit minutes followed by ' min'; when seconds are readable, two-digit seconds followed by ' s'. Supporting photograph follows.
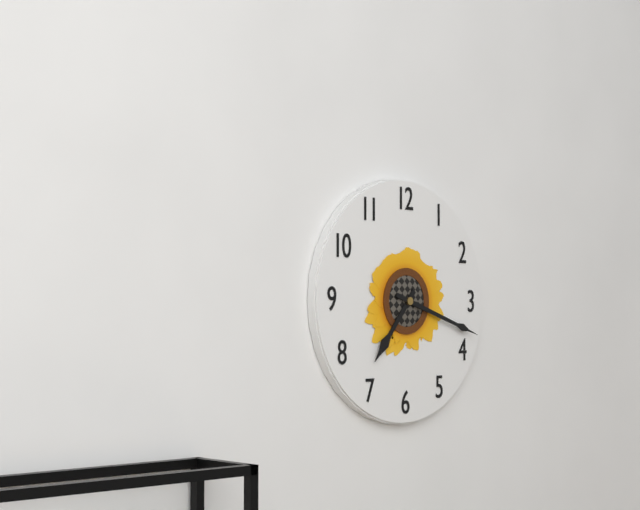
7 h 18 min
